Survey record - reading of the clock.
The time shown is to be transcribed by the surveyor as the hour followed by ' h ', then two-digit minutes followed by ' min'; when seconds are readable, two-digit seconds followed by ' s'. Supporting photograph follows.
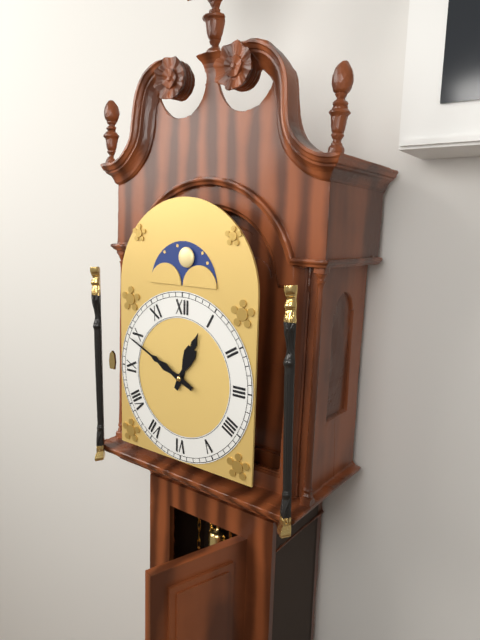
12 h 49 min
